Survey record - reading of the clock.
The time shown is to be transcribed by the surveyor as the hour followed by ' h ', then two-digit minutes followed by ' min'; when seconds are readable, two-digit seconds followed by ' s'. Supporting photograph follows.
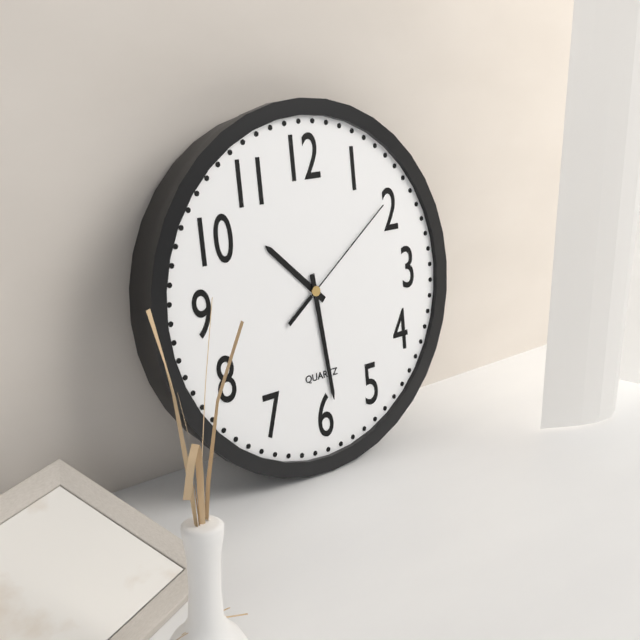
10 h 29 min 09 s
